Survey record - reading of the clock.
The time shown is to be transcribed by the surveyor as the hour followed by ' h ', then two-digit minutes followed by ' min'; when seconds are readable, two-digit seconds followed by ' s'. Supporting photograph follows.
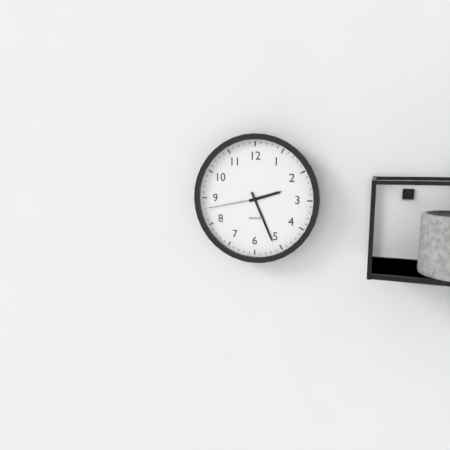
2 h 26 min 43 s
